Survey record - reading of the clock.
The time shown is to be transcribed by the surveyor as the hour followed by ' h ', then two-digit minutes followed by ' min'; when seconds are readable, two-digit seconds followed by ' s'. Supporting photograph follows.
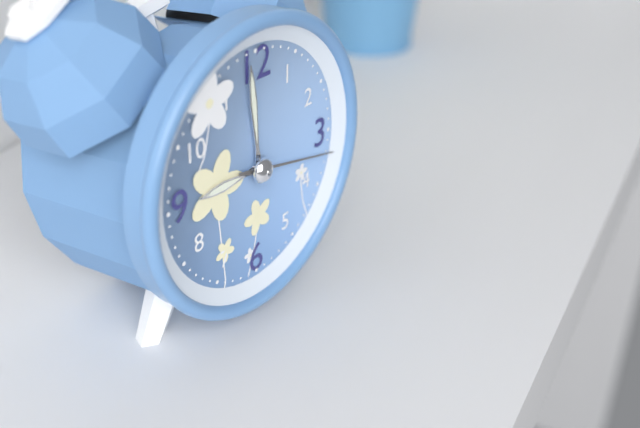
8 h 59 min 17 s
